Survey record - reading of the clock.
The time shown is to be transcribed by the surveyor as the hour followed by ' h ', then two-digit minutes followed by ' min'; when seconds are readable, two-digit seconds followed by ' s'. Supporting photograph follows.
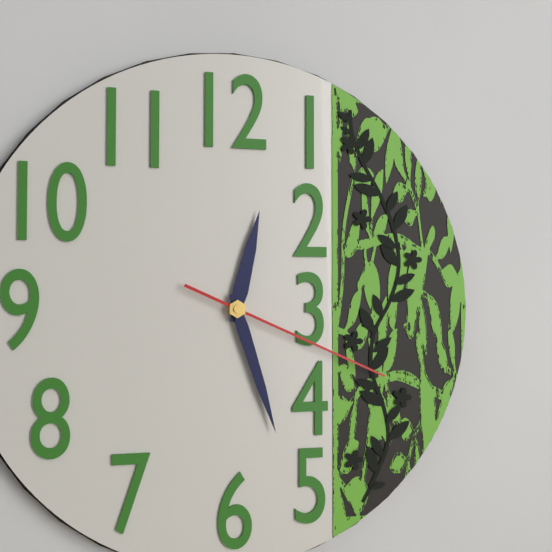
12 h 27 min 19 s
